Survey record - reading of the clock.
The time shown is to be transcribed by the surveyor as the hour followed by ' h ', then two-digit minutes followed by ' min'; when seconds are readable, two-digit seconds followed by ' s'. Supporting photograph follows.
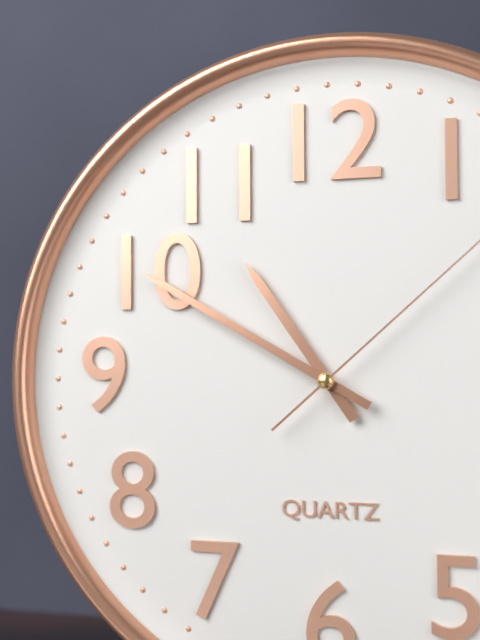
10 h 50 min
